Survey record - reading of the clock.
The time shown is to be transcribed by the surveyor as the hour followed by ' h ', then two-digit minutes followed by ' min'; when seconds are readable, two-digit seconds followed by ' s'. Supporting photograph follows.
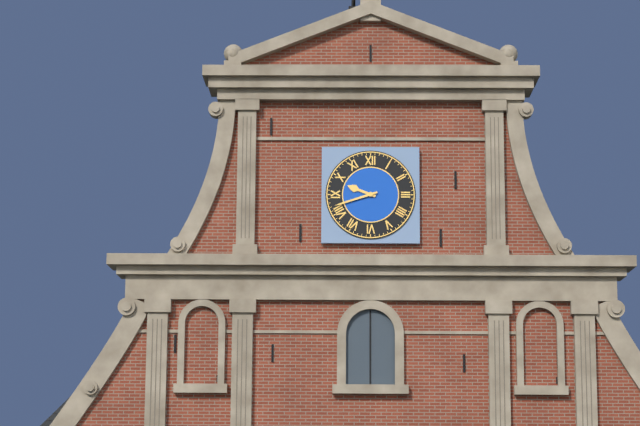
9 h 42 min
